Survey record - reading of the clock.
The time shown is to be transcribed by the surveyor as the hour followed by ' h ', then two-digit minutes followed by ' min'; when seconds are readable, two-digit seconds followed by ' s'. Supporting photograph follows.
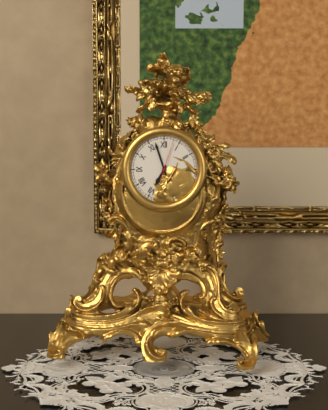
6 h 57 min
